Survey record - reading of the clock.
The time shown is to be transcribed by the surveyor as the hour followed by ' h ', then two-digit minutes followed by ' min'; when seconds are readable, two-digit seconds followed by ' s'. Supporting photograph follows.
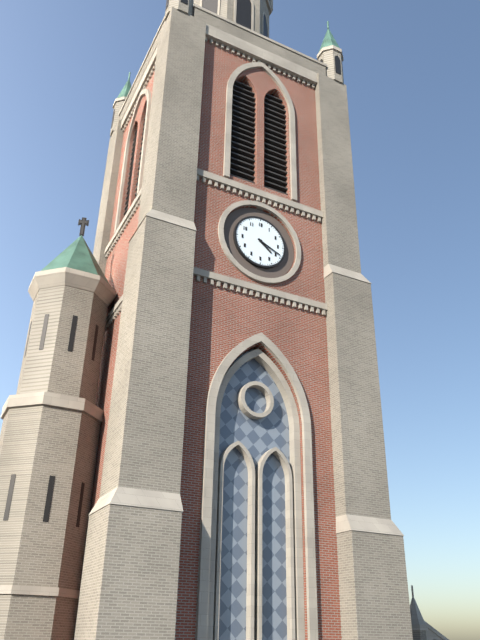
4 h 19 min
